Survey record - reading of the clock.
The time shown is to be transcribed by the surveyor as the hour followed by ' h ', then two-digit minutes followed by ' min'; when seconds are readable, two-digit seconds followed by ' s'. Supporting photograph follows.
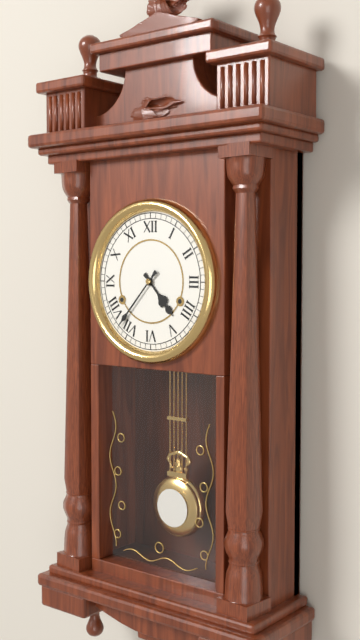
4 h 37 min
